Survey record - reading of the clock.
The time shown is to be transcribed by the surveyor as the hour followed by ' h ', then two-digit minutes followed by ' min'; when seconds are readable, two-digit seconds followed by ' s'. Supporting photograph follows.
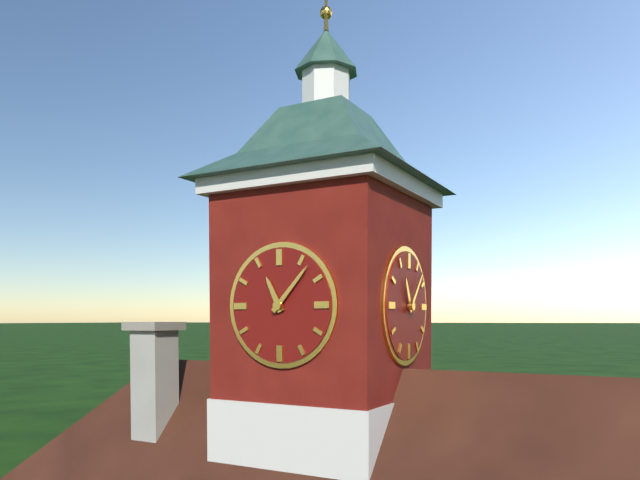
11 h 07 min
